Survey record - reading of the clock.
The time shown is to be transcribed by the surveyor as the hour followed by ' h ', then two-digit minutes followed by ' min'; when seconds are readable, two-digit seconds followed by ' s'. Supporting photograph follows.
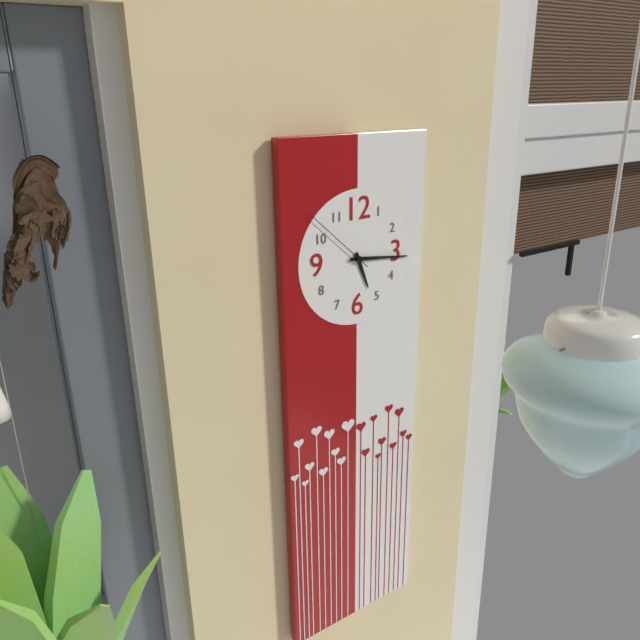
5 h 16 min 52 s
